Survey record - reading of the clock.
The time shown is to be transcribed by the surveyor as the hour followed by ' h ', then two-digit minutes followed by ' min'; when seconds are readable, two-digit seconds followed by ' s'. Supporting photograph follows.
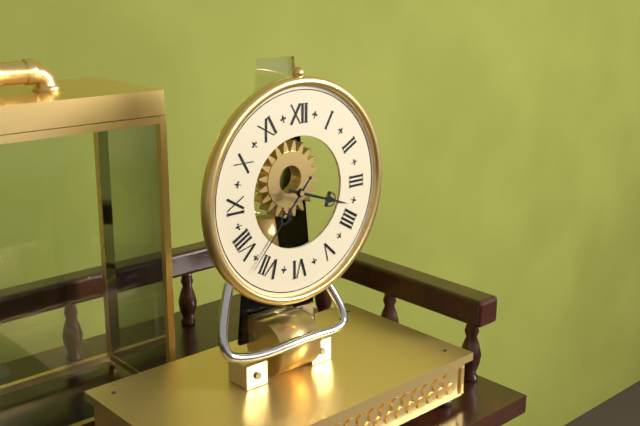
3 h 37 min
